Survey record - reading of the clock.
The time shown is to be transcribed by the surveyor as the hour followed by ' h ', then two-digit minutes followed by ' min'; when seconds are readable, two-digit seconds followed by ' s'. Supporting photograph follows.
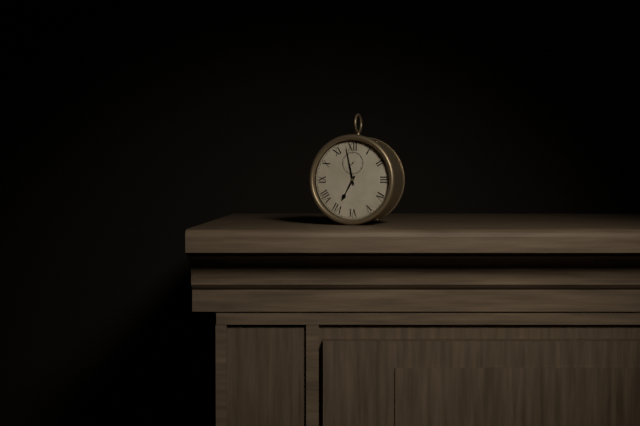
6 h 58 min
